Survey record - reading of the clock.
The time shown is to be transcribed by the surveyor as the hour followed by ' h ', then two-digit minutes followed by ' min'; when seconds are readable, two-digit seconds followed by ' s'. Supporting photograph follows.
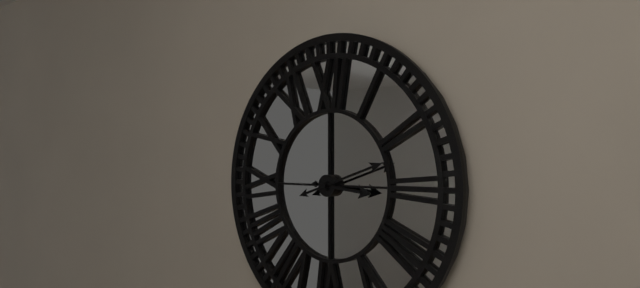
3 h 12 min
